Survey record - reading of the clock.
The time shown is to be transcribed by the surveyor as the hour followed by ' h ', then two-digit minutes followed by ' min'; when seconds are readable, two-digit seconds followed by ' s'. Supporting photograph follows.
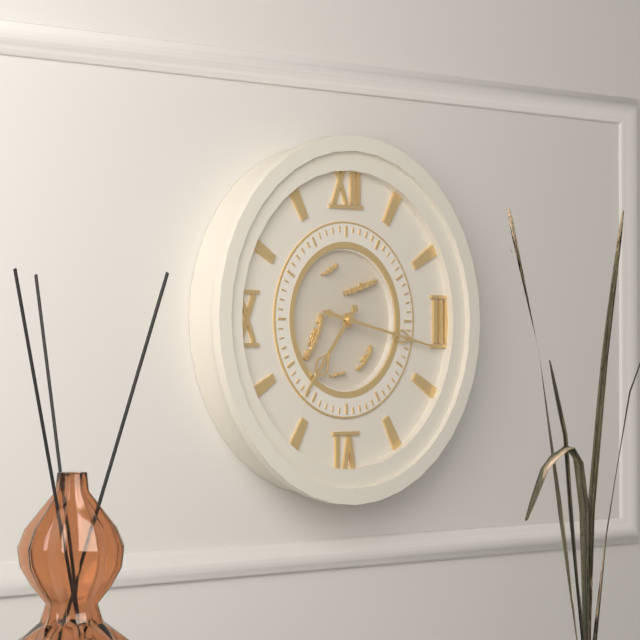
7 h 17 min
